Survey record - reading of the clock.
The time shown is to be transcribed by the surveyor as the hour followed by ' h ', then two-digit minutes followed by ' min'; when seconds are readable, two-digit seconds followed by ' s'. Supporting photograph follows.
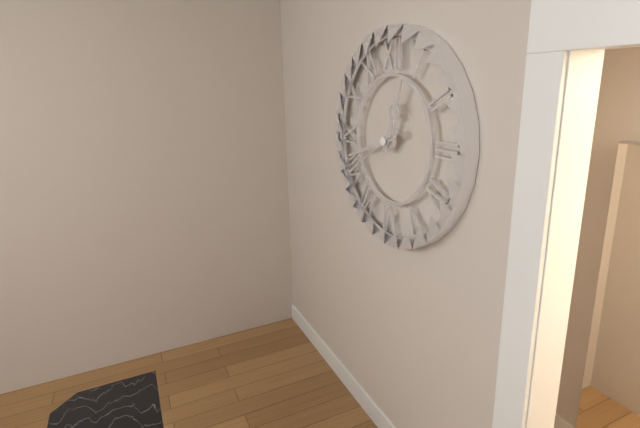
12 h 42 min 40 s
